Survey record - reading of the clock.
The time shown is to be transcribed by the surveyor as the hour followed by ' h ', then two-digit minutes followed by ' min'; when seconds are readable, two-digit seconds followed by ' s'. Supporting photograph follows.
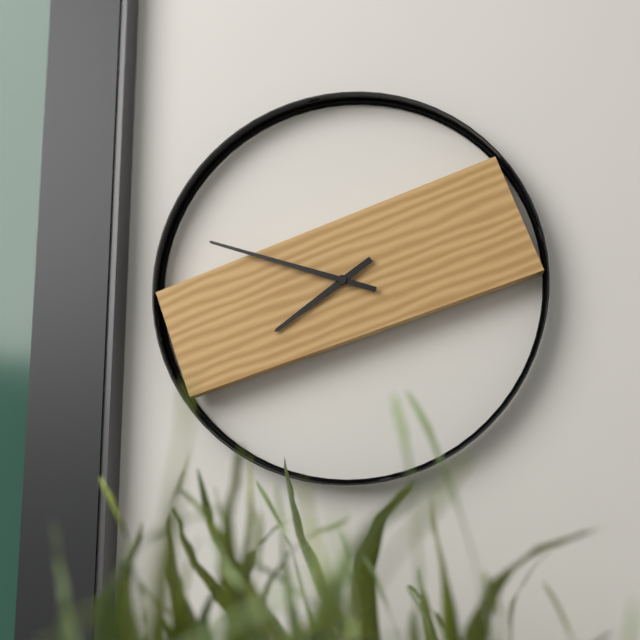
7 h 48 min
